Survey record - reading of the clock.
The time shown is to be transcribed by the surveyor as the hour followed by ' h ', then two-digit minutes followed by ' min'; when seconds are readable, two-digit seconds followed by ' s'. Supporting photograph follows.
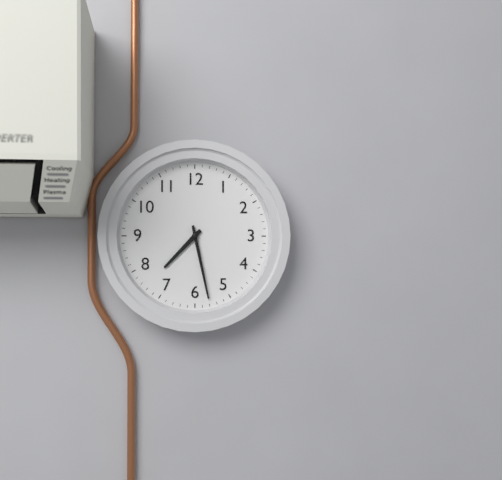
7 h 28 min
